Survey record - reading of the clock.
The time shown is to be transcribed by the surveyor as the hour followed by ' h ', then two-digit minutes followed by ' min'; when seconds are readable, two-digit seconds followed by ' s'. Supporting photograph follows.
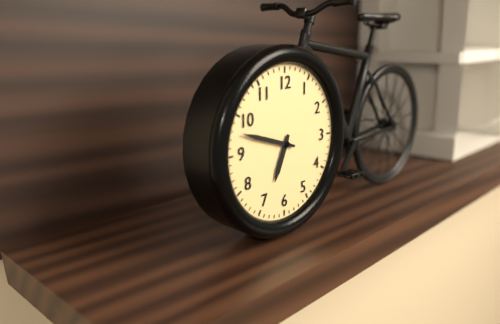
6 h 48 min
